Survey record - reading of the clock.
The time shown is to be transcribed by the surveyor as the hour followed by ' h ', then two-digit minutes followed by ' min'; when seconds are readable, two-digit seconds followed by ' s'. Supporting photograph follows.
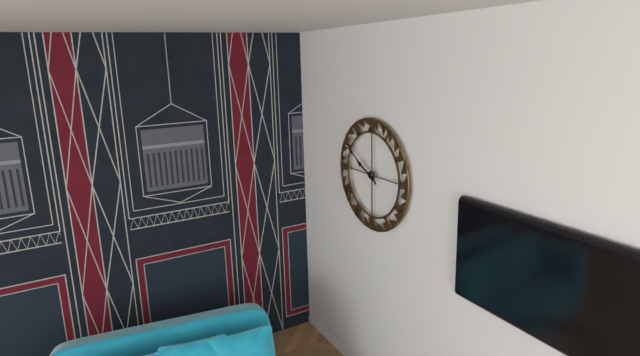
9 h 50 min
